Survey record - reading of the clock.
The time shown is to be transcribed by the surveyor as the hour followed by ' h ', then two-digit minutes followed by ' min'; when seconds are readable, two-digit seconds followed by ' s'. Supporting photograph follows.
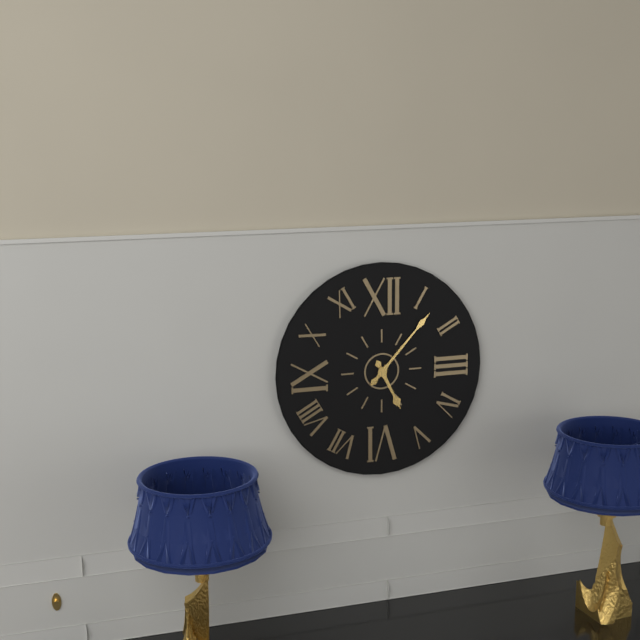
5 h 07 min
